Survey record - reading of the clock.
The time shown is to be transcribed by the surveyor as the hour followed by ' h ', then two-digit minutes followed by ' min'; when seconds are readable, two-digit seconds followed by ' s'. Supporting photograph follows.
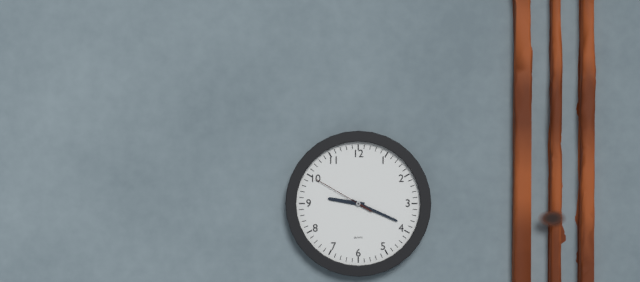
9 h 19 min 50 s
